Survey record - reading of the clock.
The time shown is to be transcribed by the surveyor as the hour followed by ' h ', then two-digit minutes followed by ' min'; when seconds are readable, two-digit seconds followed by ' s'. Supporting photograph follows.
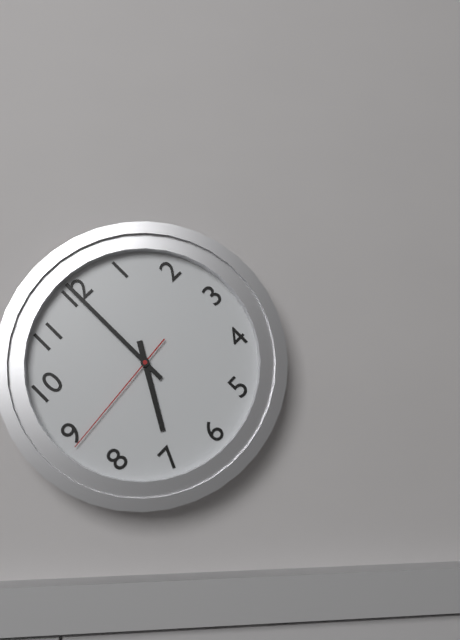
7 h 00 min 44 s
